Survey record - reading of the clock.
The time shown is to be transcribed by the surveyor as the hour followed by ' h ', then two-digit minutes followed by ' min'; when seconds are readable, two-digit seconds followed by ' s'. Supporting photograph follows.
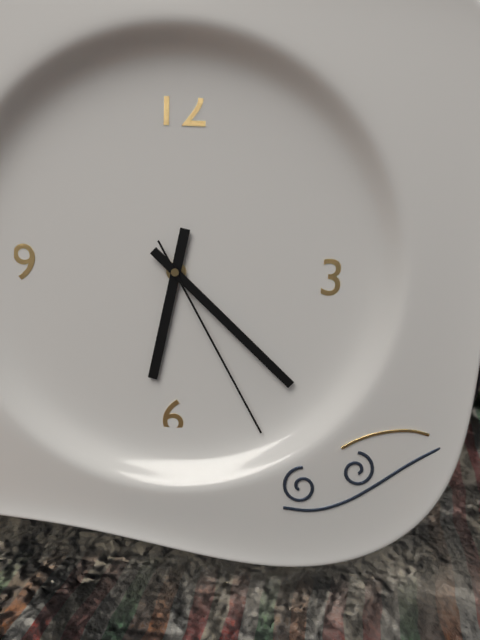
6 h 22 min 25 s
